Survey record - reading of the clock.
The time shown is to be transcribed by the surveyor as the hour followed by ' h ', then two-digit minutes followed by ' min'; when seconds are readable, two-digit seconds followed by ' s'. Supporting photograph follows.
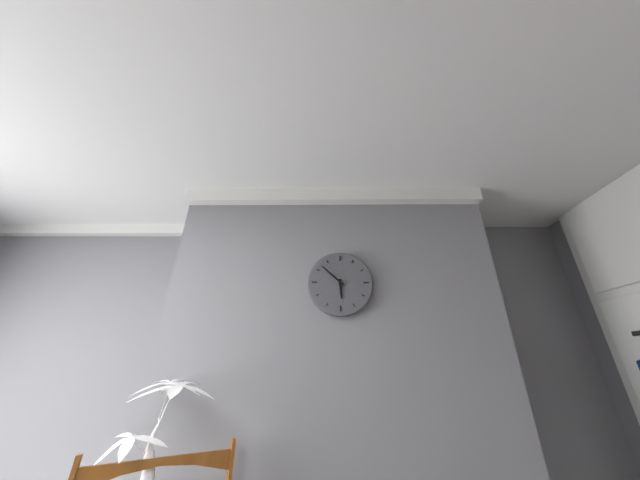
5 h 52 min
